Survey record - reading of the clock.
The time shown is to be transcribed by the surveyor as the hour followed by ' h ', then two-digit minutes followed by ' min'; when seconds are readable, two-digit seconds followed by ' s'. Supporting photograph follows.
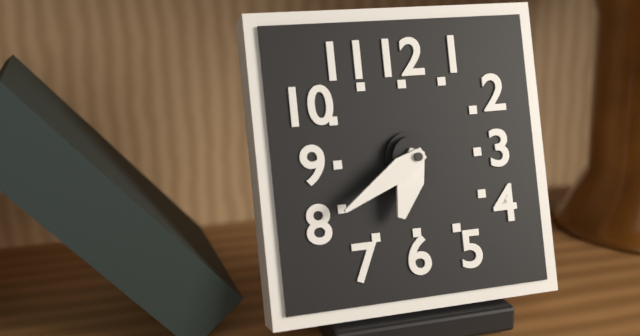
6 h 40 min
